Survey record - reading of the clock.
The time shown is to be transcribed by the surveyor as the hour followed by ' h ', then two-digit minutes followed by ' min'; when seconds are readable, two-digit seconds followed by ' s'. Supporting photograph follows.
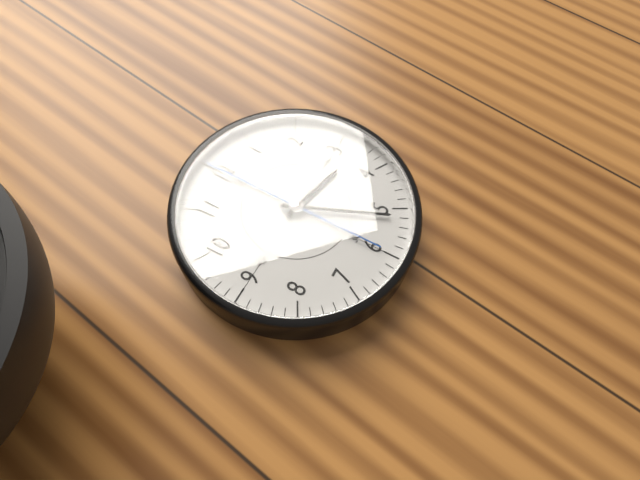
3 h 26 min 00 s
